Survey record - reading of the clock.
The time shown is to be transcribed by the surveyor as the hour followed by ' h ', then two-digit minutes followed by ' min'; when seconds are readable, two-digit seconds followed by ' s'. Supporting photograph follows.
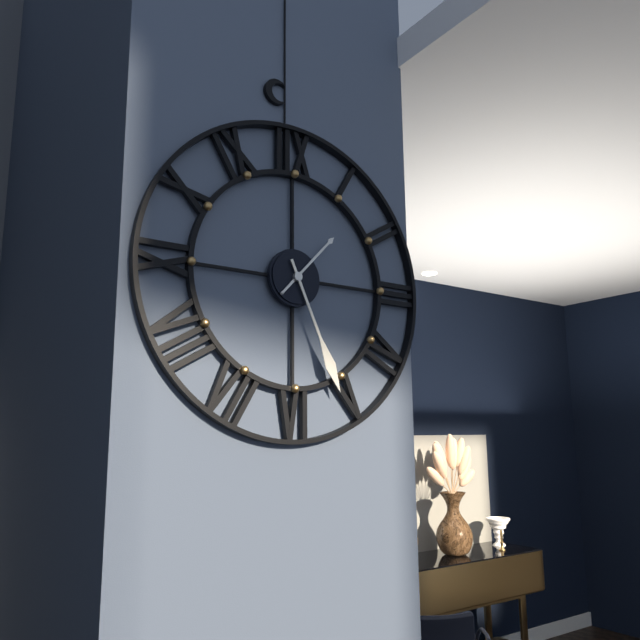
1 h 26 min
